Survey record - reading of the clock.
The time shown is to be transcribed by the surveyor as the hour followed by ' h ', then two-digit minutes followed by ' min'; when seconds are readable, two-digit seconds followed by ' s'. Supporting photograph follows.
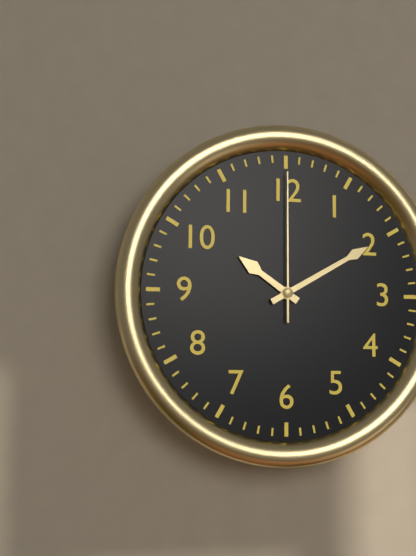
10 h 10 min 00 s
